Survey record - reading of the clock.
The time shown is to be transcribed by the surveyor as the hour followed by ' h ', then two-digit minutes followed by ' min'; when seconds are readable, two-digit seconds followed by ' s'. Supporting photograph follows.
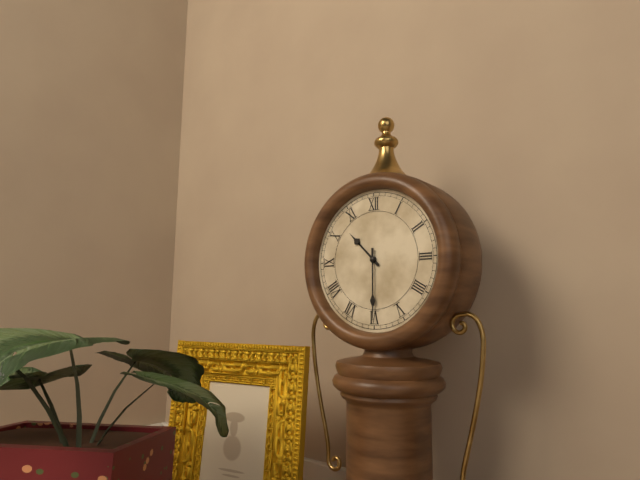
10 h 30 min
